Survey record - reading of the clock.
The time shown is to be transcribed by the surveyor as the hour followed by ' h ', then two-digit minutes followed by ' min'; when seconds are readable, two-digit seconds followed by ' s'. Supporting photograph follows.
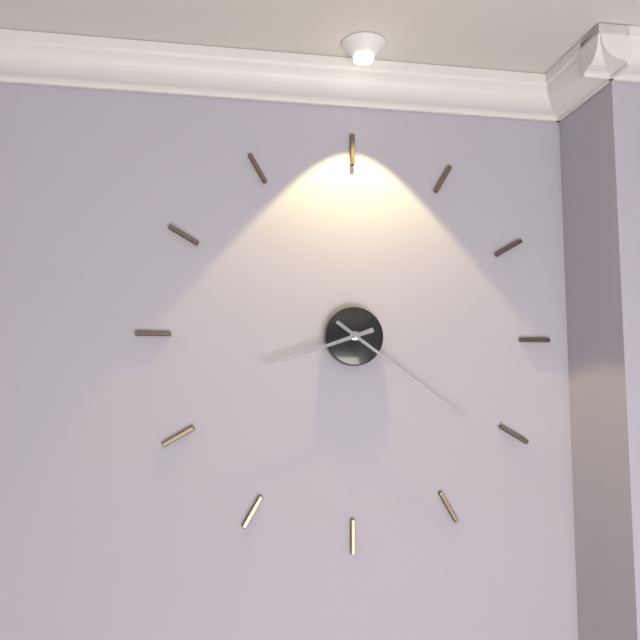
8 h 21 min
